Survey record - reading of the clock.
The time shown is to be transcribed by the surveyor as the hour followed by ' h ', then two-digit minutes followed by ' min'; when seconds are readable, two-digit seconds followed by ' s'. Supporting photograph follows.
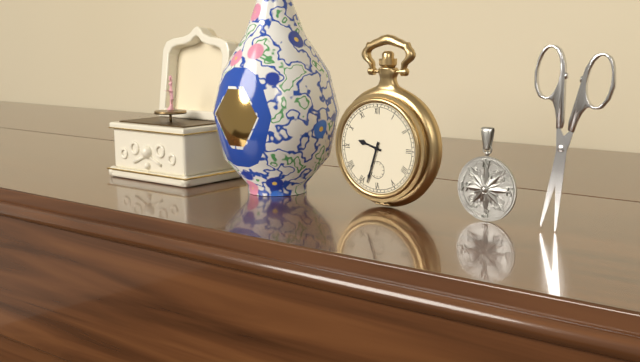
9 h 33 min
